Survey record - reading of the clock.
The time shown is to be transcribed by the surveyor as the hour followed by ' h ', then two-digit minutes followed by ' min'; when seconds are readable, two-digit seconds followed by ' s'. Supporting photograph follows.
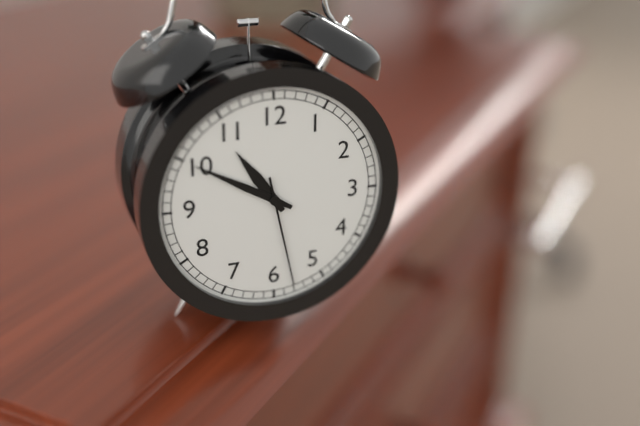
10 h 50 min 28 s
